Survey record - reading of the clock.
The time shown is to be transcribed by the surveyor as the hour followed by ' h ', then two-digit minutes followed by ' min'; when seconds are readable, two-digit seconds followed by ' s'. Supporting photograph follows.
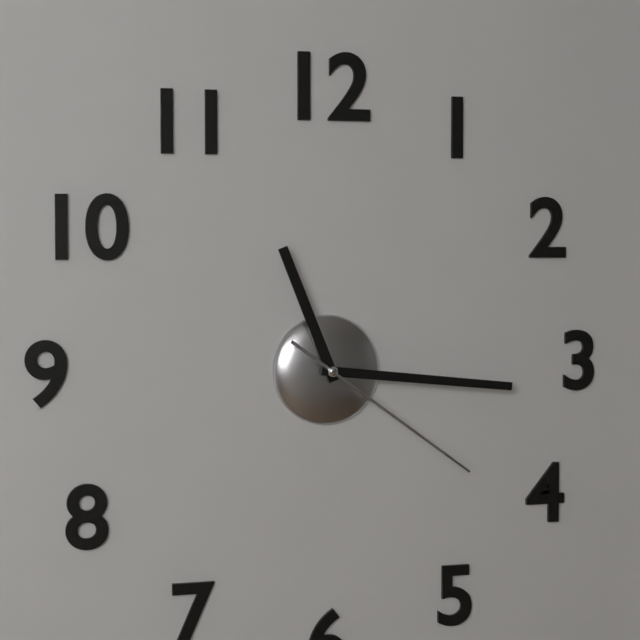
11 h 16 min 21 s
